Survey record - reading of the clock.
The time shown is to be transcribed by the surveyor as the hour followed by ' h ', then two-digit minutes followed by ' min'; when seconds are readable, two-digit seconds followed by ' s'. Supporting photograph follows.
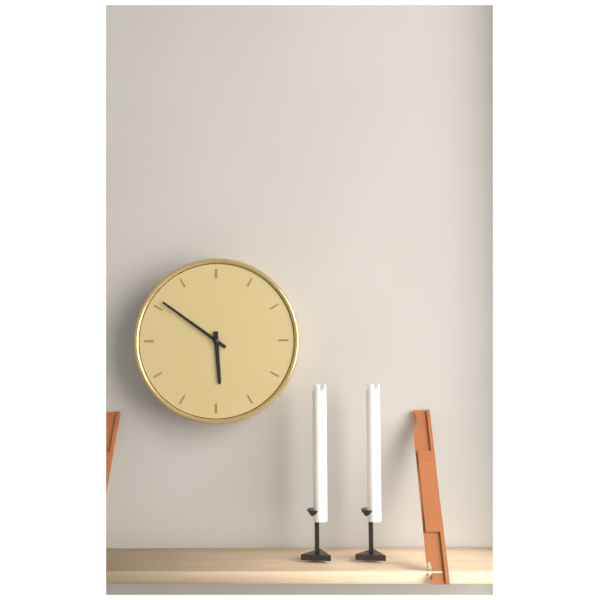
5 h 51 min
